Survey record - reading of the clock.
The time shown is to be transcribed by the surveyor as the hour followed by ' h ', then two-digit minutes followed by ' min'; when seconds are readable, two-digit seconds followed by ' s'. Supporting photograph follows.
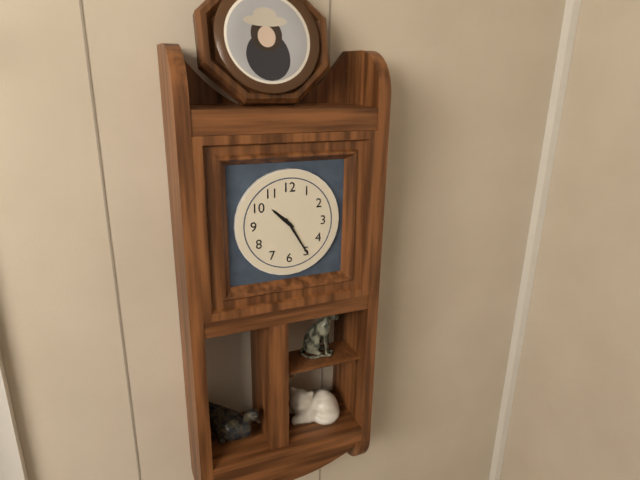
10 h 25 min
